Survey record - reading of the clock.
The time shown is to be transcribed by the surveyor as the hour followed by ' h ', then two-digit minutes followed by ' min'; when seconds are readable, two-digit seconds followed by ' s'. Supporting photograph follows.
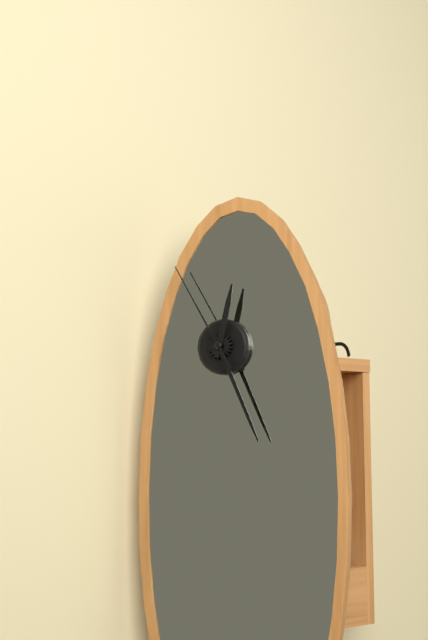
12 h 26 min 55 s
